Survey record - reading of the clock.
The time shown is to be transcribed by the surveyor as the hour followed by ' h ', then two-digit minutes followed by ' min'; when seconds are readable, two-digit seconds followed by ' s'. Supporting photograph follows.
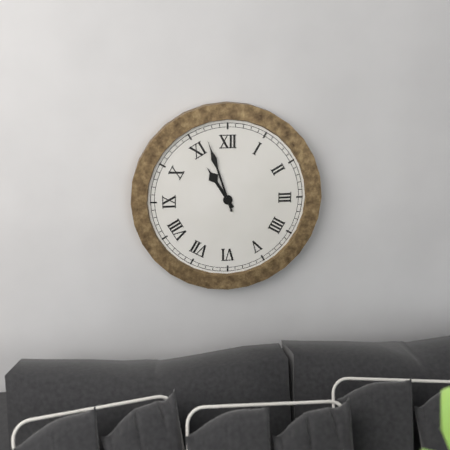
10 h 57 min
